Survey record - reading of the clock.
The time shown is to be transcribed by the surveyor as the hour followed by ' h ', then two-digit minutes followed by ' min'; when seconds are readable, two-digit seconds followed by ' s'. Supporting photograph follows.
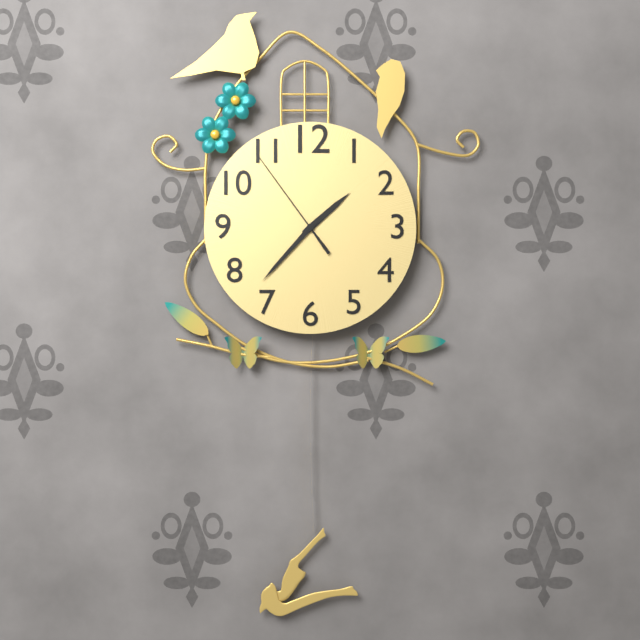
1 h 37 min 54 s
